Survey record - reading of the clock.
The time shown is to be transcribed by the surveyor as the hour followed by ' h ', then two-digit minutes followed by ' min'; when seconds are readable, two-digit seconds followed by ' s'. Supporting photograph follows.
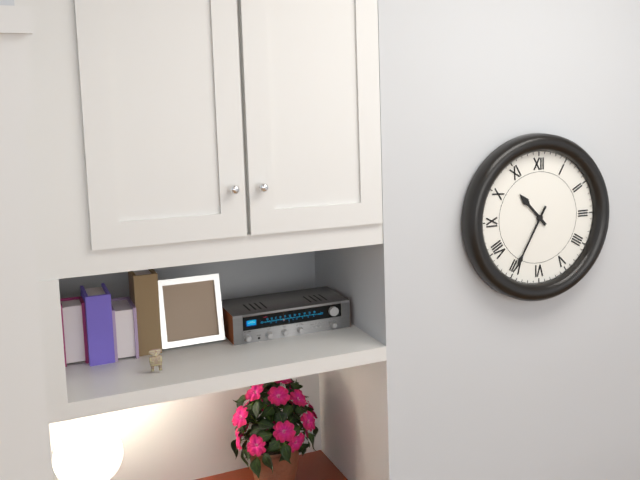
10 h 35 min
